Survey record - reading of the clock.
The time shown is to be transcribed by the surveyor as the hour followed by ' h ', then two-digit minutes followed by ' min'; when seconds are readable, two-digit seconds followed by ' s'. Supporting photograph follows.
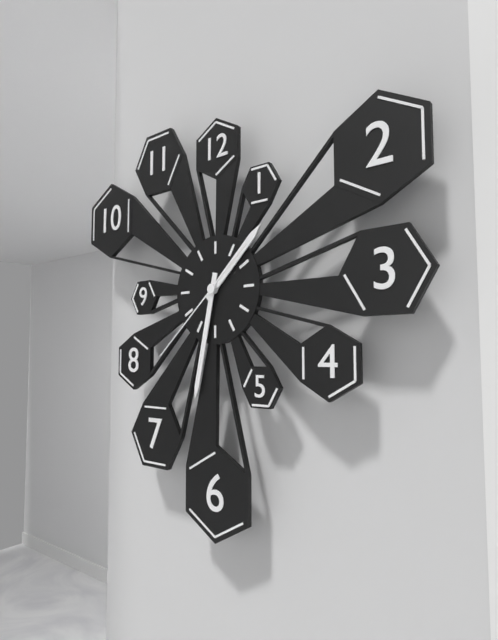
1 h 32 min 38 s
